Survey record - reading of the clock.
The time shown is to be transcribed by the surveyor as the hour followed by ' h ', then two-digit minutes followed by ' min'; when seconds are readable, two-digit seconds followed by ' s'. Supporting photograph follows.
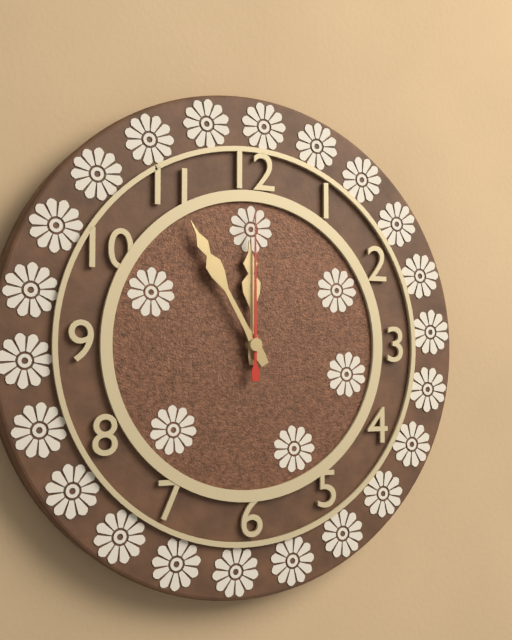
11 h 55 min 00 s
